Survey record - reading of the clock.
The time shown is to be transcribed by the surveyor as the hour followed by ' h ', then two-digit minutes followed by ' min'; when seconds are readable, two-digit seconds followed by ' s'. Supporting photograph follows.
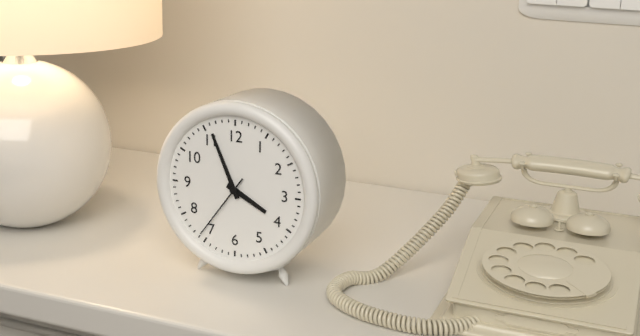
3 h 56 min 36 s
